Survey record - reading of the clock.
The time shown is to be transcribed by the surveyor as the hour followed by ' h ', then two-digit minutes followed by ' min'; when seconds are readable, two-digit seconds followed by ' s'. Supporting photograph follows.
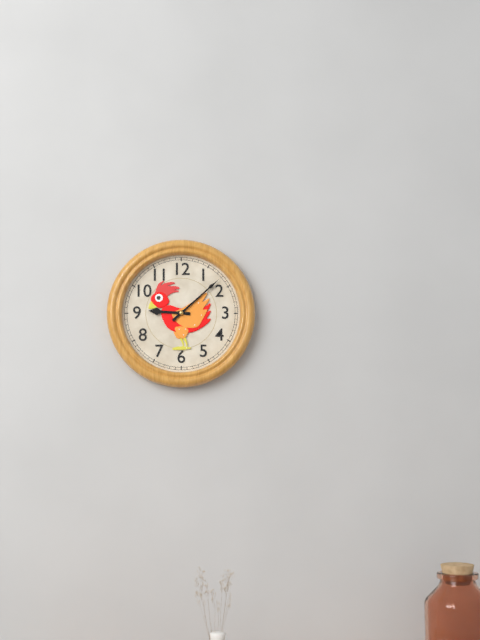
9 h 08 min
